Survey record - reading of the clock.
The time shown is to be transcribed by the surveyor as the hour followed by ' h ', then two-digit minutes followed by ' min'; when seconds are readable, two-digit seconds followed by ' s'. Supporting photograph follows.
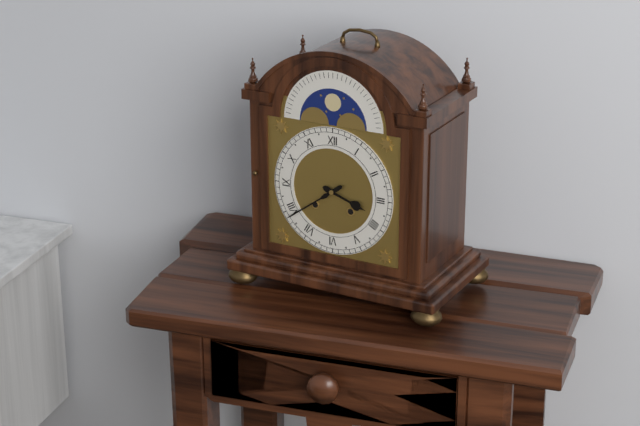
3 h 39 min
